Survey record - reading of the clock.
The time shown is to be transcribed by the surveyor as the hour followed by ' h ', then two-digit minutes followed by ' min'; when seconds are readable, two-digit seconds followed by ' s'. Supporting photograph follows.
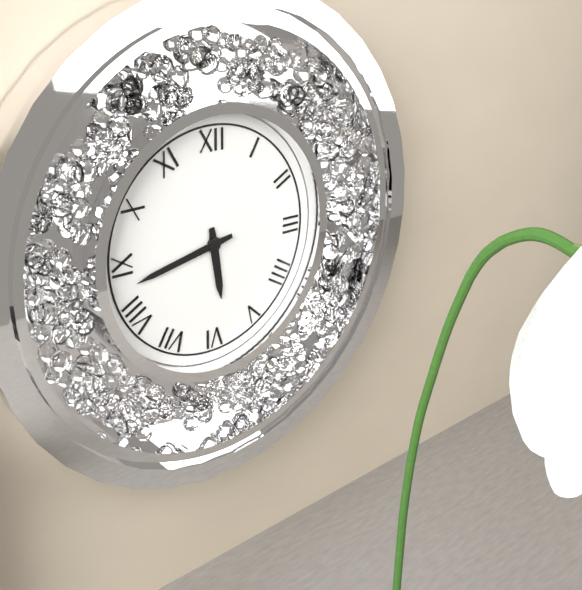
5 h 43 min
